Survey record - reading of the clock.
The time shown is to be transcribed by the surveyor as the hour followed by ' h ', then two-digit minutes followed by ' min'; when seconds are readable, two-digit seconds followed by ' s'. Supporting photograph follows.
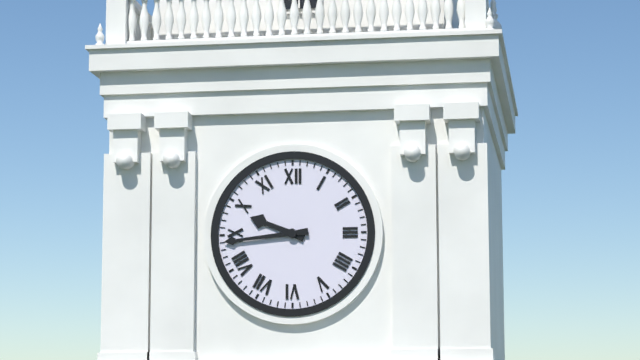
9 h 44 min
